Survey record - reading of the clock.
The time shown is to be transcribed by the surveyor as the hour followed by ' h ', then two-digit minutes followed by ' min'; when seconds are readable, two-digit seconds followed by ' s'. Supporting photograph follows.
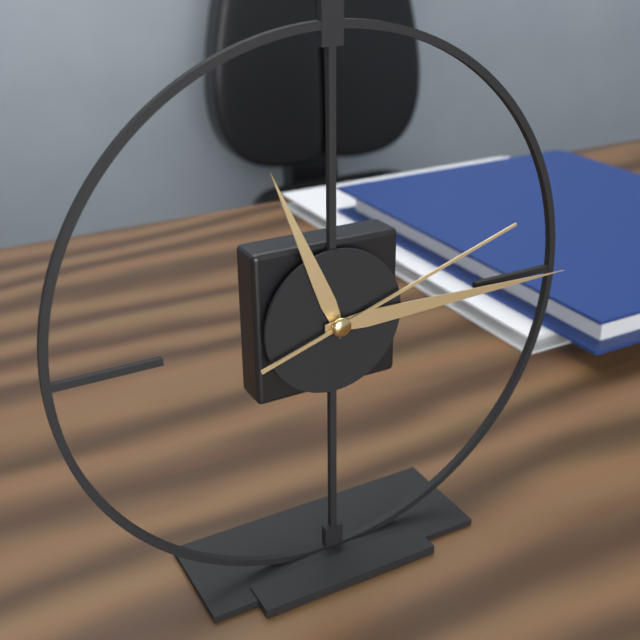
11 h 15 min 12 s
